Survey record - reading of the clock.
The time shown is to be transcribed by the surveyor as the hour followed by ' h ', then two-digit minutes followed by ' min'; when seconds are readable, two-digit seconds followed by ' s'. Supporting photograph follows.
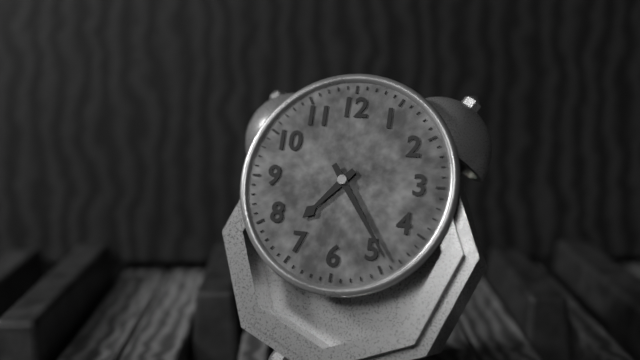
7 h 24 min
